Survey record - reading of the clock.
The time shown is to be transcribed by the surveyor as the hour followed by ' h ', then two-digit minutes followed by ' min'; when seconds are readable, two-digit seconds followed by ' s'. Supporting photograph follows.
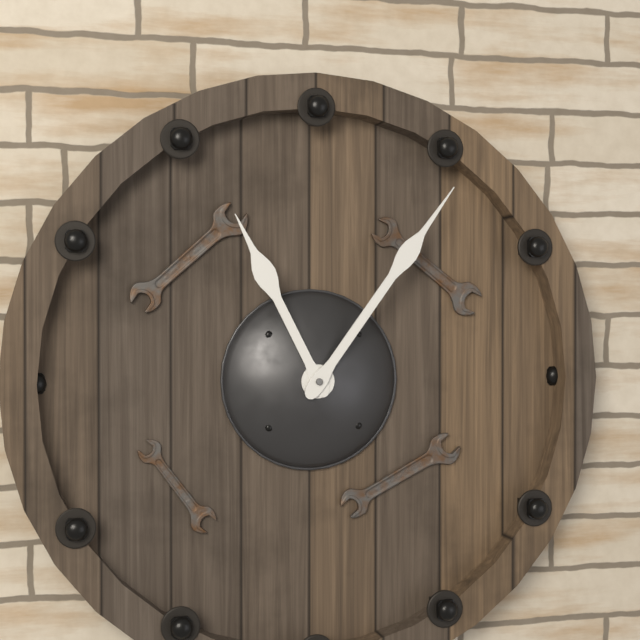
11 h 06 min
